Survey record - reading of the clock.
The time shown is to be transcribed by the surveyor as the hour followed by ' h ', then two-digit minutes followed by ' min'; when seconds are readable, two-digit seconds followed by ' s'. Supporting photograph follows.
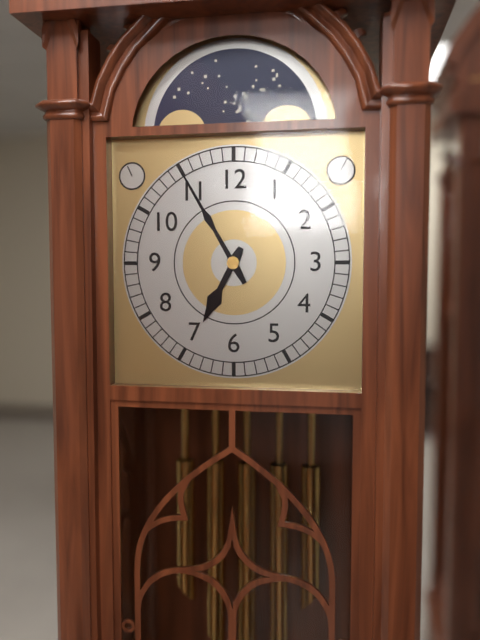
6 h 55 min
